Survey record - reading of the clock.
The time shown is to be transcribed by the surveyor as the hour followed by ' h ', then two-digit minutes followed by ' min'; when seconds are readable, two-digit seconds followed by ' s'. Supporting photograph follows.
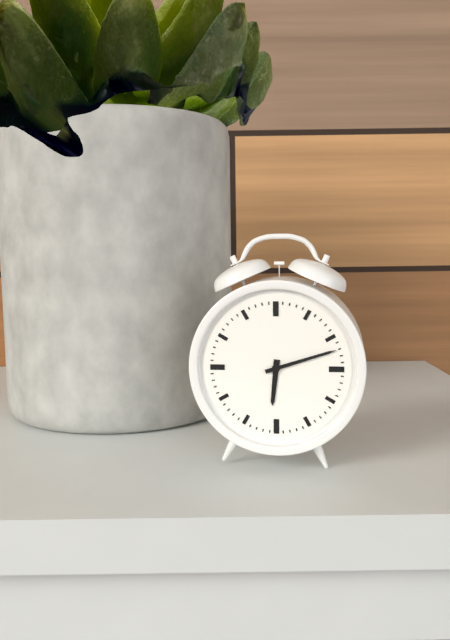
6 h 12 min
